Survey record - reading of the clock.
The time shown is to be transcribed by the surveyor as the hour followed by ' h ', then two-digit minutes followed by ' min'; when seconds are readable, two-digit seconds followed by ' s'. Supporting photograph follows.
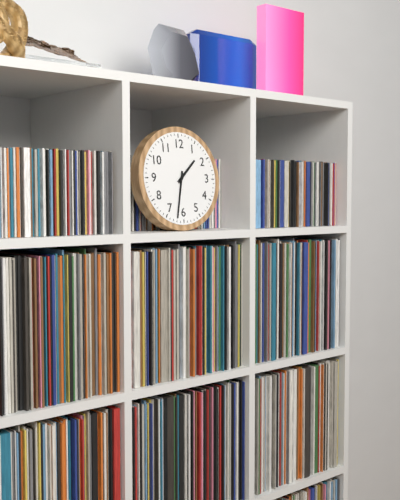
1 h 32 min
